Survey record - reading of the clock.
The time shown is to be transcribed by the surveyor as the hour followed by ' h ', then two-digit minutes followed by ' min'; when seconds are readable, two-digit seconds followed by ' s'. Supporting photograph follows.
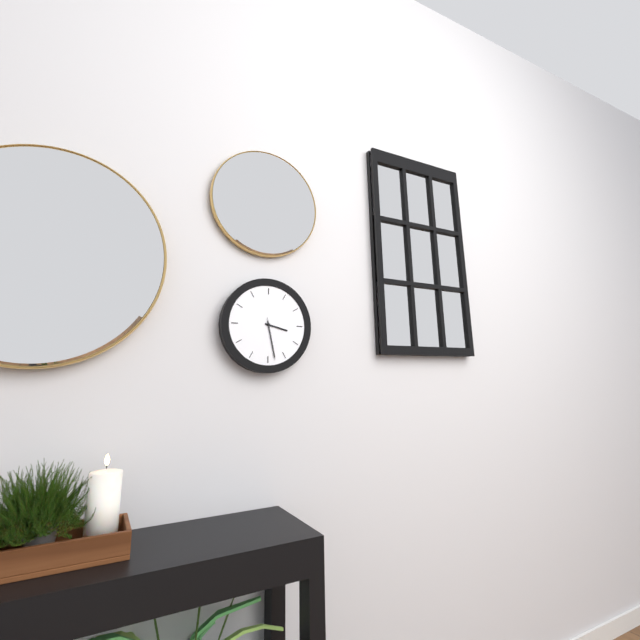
3 h 28 min
